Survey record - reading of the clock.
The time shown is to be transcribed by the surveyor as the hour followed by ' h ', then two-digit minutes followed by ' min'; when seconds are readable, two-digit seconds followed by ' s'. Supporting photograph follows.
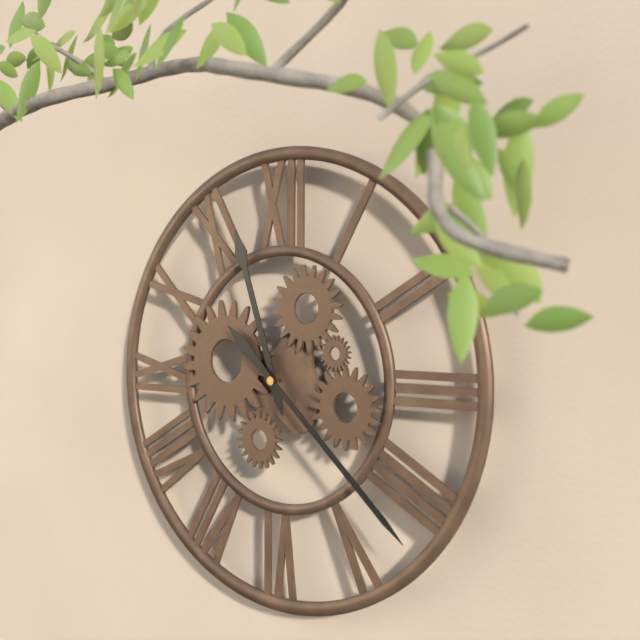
11 h 22 min
